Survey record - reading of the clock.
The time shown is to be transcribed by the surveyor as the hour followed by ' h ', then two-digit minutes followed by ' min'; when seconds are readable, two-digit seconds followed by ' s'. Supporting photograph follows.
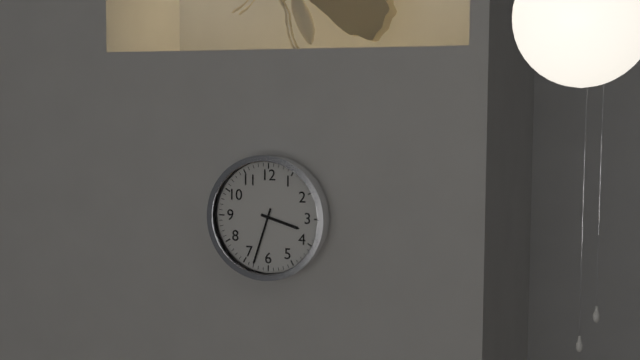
3 h 33 min
